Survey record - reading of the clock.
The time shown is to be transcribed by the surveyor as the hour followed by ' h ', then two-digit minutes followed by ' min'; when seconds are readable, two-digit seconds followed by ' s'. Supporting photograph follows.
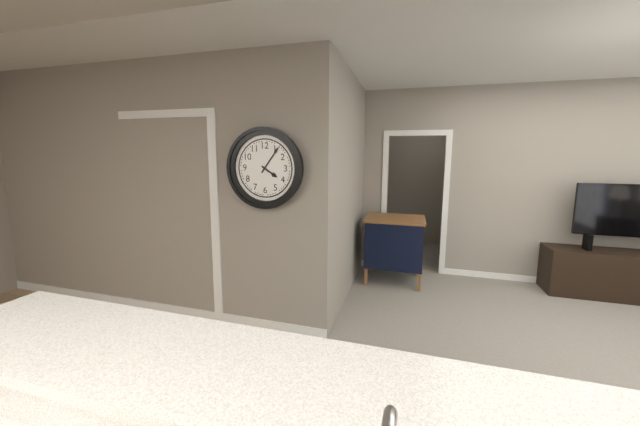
4 h 06 min
